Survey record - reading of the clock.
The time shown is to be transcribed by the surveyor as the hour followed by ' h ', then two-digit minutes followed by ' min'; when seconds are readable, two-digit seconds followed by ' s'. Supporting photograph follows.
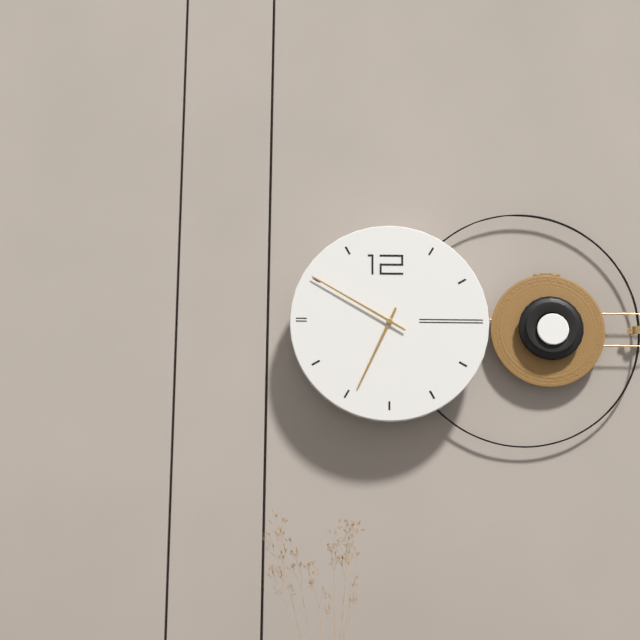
6 h 50 min
